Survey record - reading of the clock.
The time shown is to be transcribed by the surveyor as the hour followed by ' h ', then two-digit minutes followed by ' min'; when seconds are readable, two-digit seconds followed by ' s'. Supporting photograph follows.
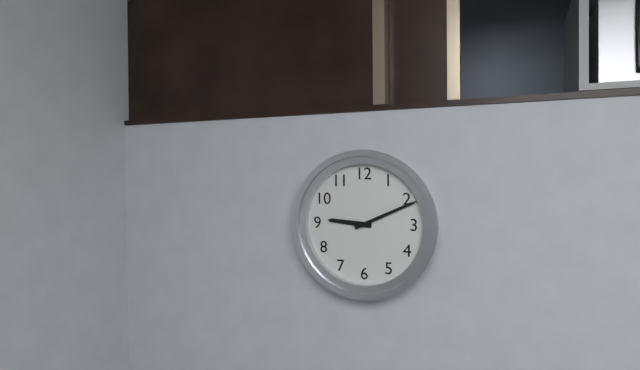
9 h 11 min
